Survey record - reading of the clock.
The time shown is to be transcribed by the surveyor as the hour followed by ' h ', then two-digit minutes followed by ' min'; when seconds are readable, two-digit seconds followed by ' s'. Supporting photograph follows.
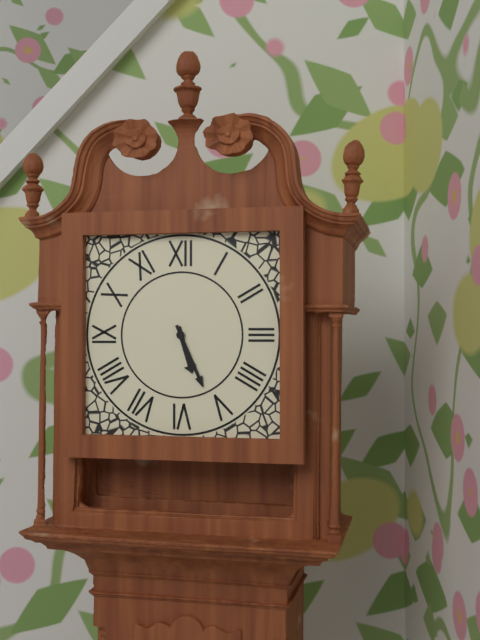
5 h 26 min
